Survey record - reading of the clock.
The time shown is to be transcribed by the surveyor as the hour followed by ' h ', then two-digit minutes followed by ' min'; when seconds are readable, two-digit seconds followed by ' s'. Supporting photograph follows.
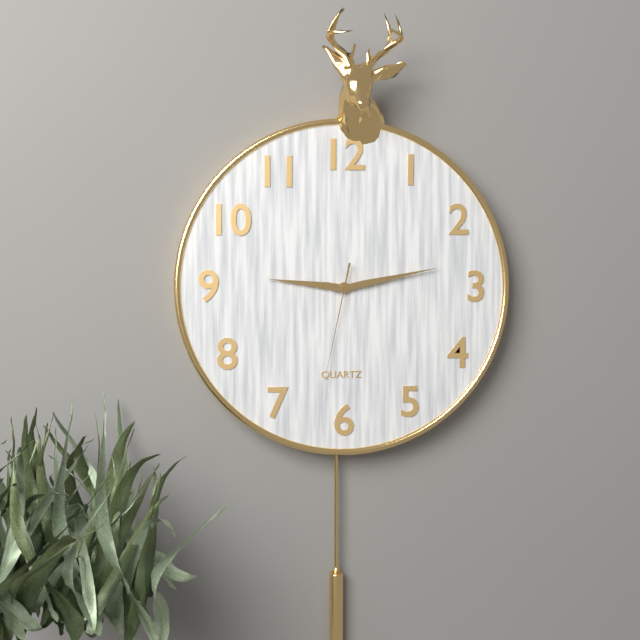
9 h 13 min 32 s
